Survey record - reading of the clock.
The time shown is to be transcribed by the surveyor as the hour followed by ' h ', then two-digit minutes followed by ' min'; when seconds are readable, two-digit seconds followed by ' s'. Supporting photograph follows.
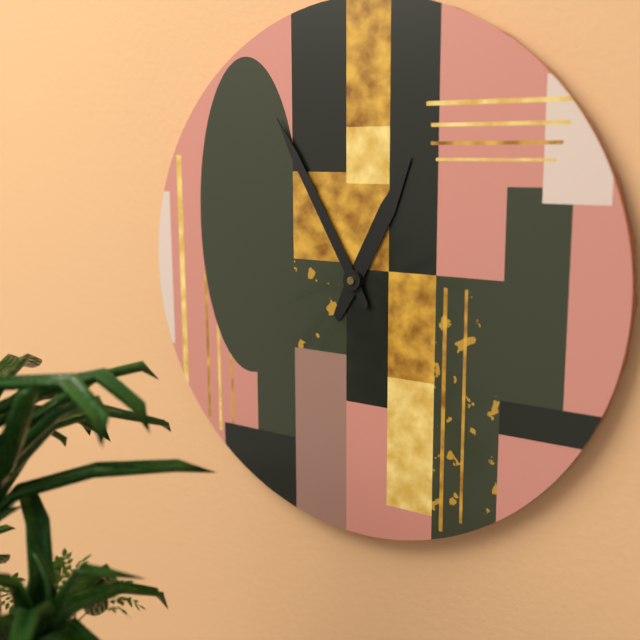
12 h 55 min
